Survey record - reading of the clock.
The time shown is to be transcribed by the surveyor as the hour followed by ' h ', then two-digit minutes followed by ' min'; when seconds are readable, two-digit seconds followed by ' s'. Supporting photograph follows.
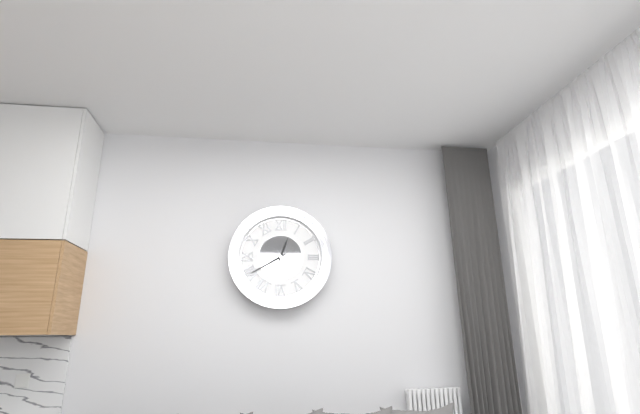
12 h 40 min
